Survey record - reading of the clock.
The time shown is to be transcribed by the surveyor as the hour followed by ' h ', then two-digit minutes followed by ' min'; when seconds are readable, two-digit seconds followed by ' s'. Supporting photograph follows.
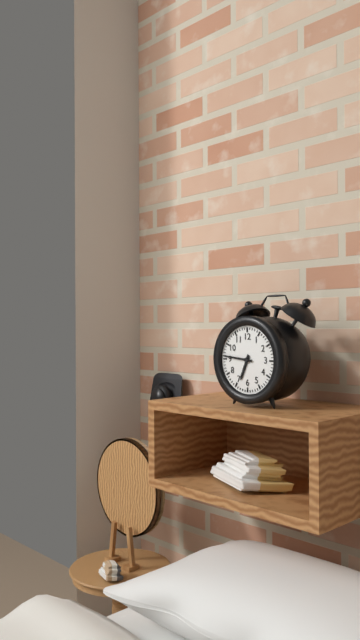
6 h 46 min
